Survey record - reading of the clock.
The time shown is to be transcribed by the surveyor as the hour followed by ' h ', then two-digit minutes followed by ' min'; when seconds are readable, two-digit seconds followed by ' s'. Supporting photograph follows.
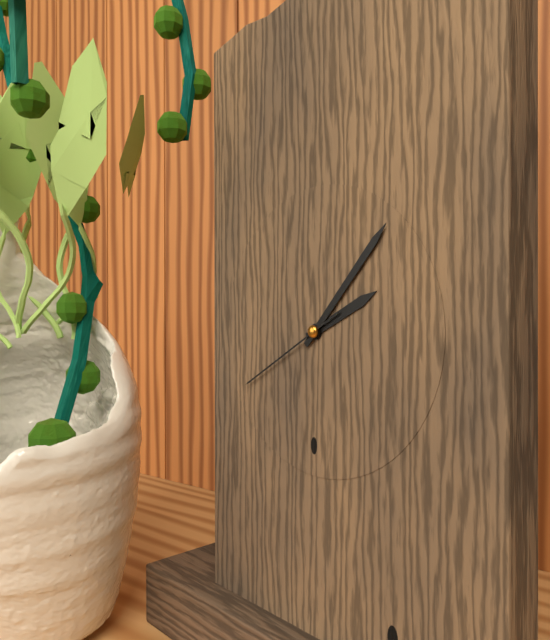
2 h 07 min 40 s
